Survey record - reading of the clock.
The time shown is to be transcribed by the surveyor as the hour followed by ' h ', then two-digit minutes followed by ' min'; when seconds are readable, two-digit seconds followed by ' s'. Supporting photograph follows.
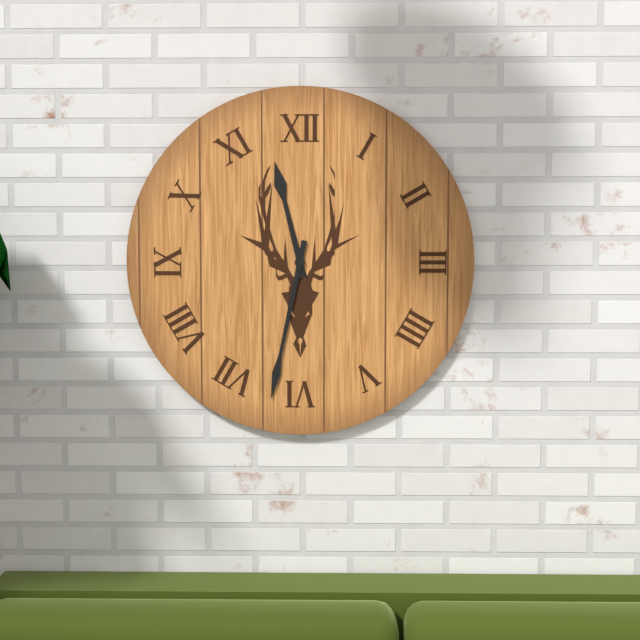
11 h 32 min
